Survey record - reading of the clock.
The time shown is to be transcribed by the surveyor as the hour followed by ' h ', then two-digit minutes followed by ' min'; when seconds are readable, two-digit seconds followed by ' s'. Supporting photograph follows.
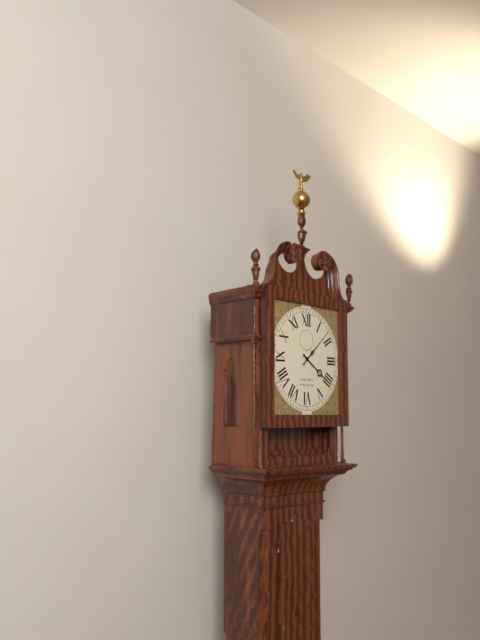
4 h 08 min
